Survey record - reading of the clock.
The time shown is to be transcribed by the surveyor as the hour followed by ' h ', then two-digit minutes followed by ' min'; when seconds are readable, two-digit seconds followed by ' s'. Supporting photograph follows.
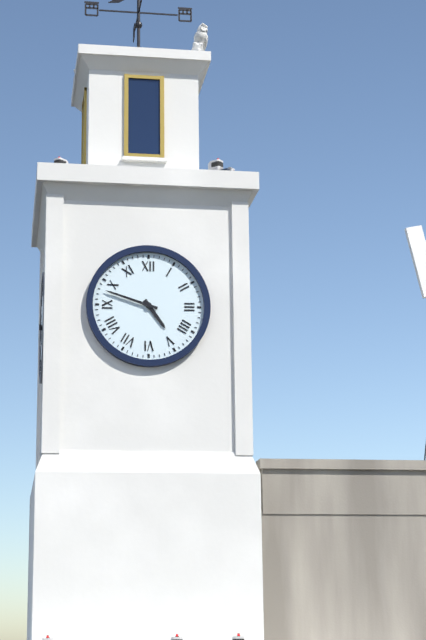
4 h 48 min
